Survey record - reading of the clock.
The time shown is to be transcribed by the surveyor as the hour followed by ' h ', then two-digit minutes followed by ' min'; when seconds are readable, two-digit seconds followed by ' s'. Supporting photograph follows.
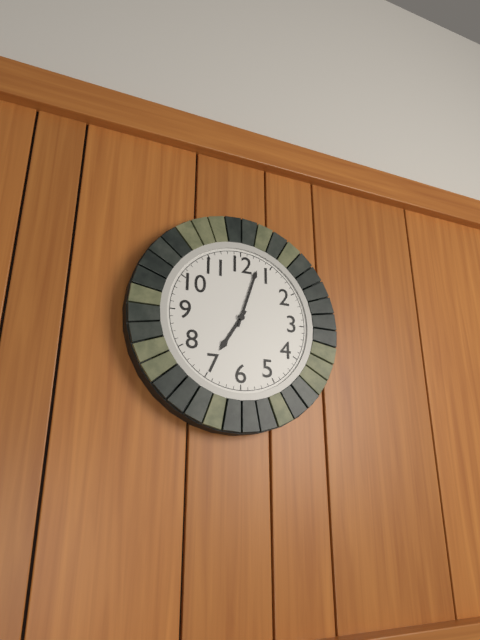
7 h 03 min
